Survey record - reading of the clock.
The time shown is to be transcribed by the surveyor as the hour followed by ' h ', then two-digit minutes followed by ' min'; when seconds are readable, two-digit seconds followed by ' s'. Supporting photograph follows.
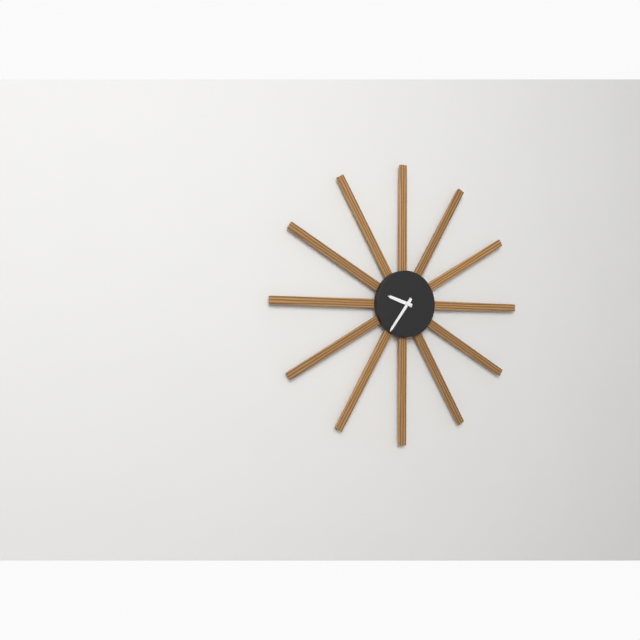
9 h 36 min
